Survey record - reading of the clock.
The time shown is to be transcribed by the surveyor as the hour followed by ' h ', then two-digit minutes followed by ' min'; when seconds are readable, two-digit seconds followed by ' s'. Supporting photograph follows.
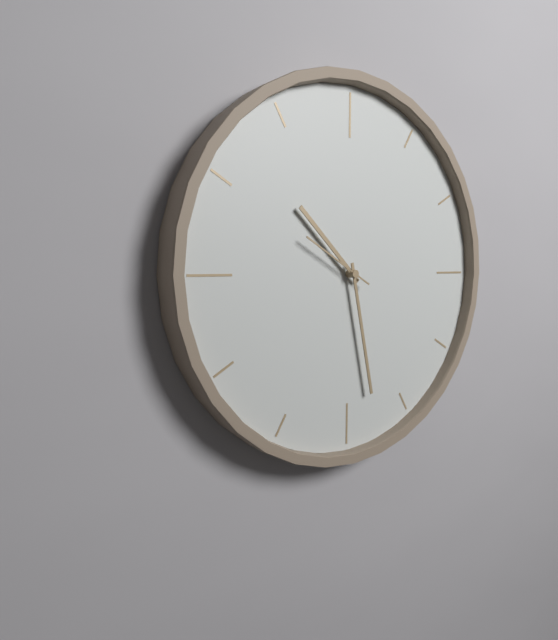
10 h 28 min 50 s
